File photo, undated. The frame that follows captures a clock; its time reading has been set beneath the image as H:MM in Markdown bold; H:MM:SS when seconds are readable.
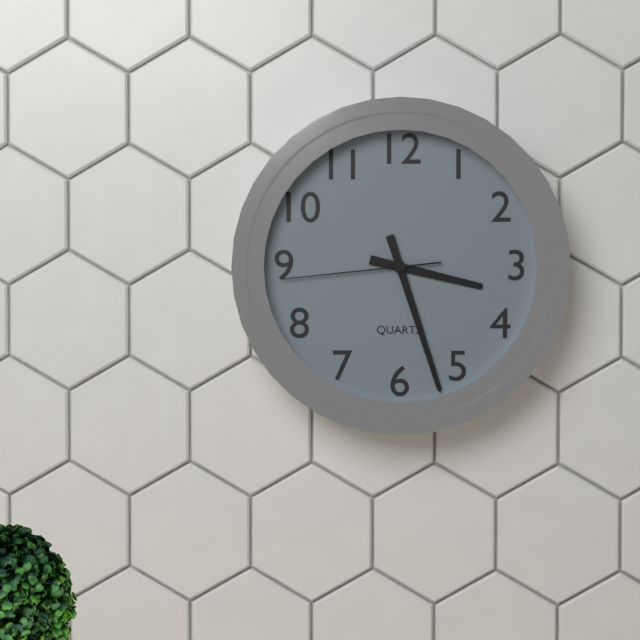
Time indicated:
**3:27:44**
